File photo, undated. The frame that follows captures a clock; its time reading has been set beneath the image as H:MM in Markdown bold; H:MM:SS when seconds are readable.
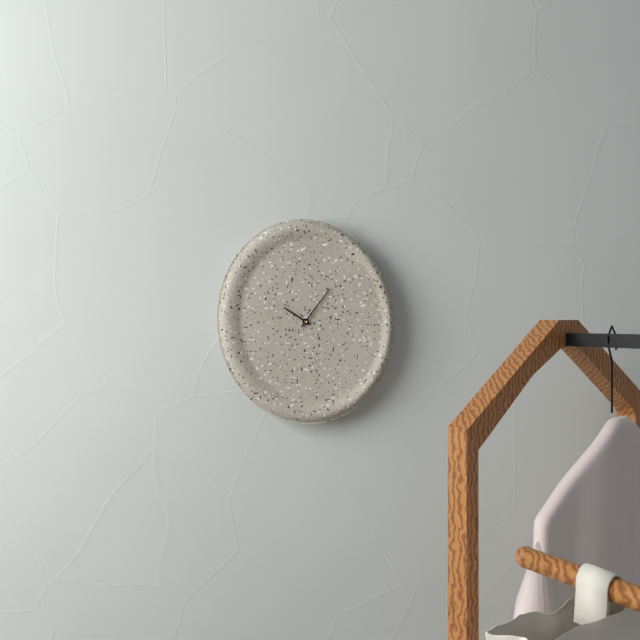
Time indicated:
**10:06**
